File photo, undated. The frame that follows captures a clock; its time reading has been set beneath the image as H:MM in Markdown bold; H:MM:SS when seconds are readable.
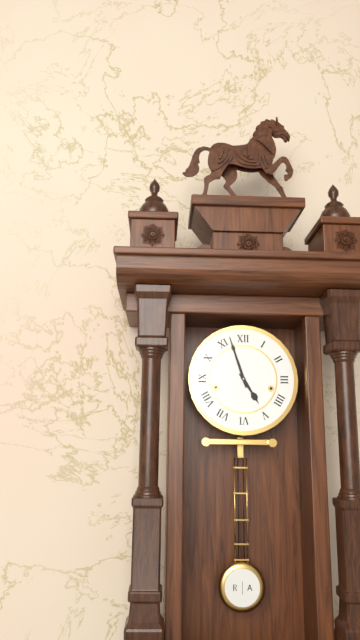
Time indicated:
**4:57**
